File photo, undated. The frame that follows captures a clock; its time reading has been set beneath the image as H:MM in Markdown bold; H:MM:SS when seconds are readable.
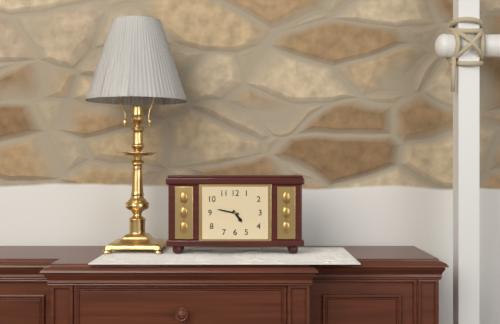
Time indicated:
**4:47**
